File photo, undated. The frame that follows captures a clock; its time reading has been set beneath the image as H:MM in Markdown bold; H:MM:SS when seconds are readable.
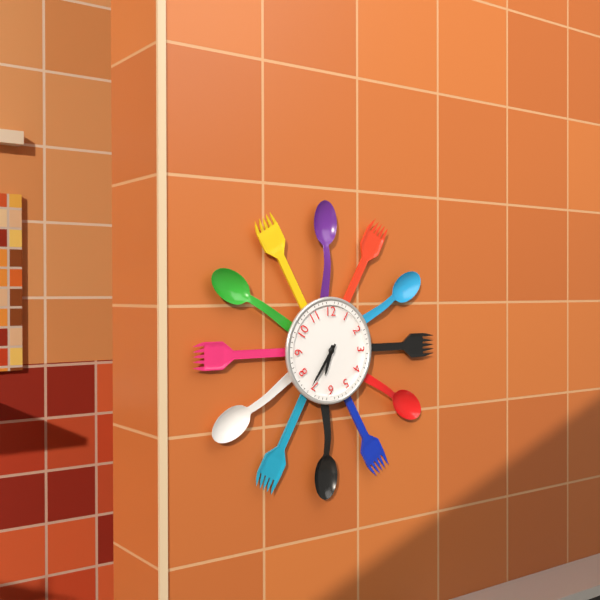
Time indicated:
**6:36**
